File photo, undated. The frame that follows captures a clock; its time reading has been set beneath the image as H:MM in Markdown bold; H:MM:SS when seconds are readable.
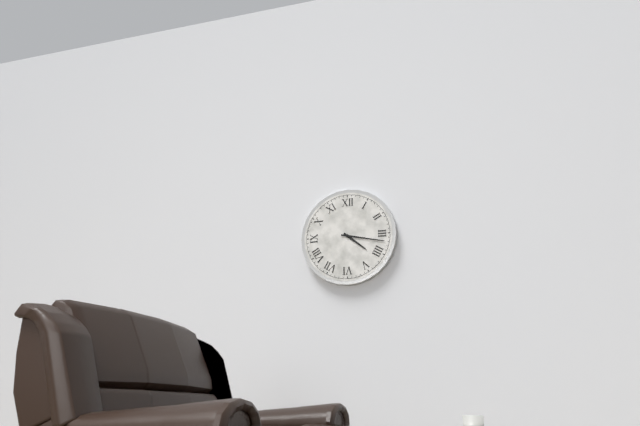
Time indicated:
**4:17**
